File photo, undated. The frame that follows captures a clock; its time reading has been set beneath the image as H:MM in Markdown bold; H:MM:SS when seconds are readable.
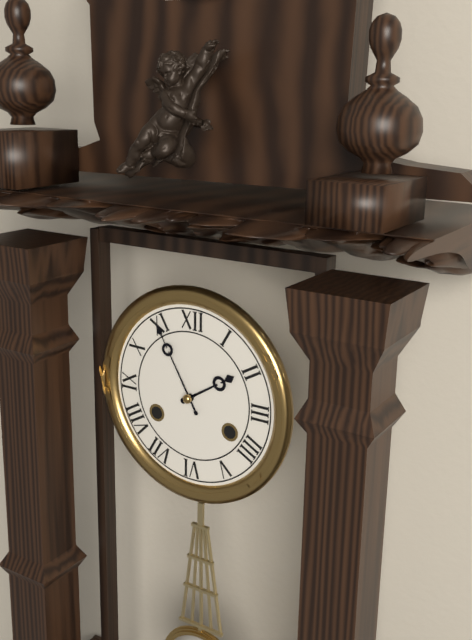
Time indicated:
**1:55**
